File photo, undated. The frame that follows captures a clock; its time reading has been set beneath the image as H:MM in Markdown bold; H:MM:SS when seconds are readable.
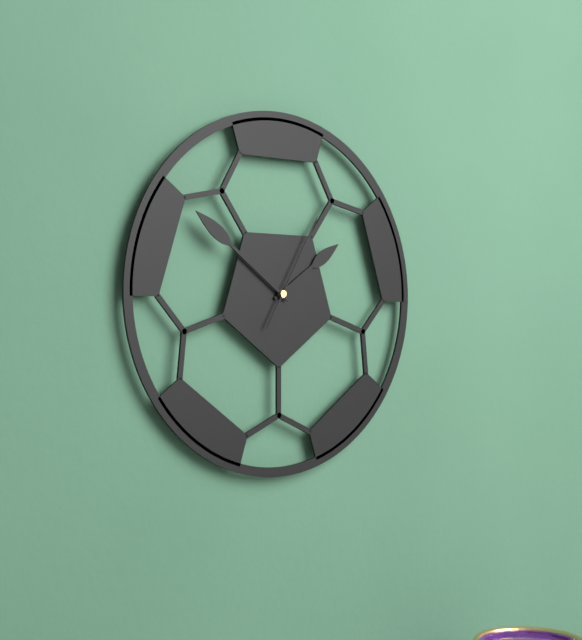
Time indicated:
**1:51:05**
